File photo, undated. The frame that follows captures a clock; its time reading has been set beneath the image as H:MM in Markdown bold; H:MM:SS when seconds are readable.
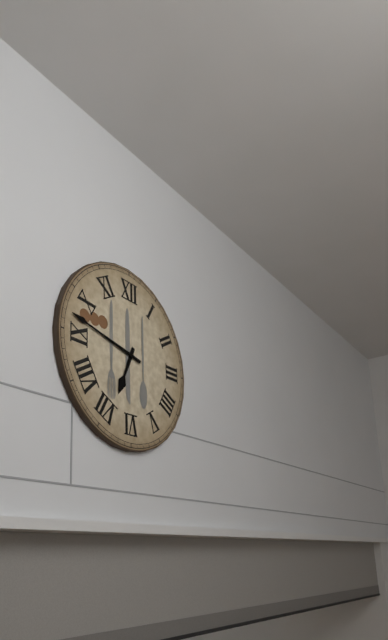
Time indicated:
**6:47**
